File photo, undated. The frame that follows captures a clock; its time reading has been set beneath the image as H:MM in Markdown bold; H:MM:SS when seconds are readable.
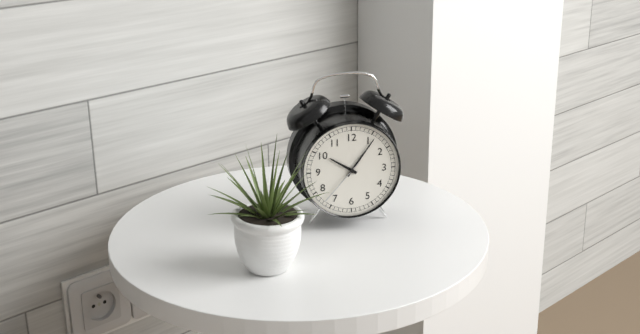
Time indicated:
**10:06:37**
